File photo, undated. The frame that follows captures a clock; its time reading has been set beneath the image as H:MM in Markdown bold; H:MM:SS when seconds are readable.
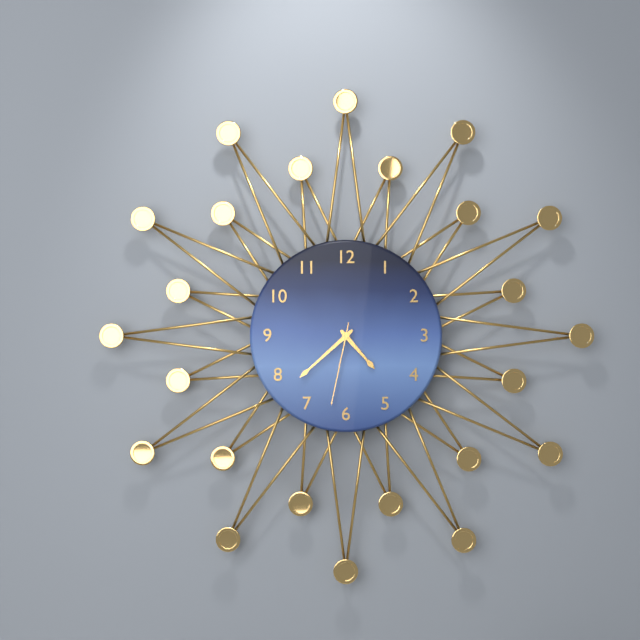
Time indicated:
**4:38:32**
